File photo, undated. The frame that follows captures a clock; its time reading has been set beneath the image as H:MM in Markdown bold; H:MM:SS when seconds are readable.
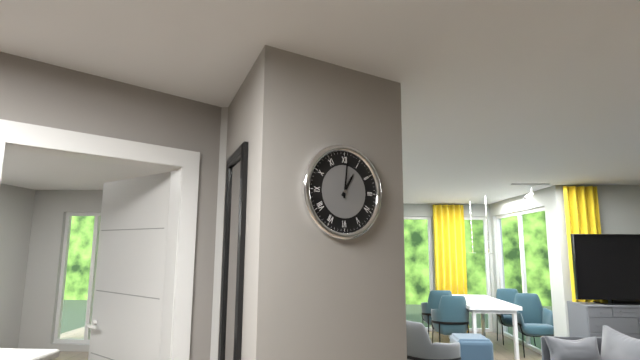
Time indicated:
**1:01**
